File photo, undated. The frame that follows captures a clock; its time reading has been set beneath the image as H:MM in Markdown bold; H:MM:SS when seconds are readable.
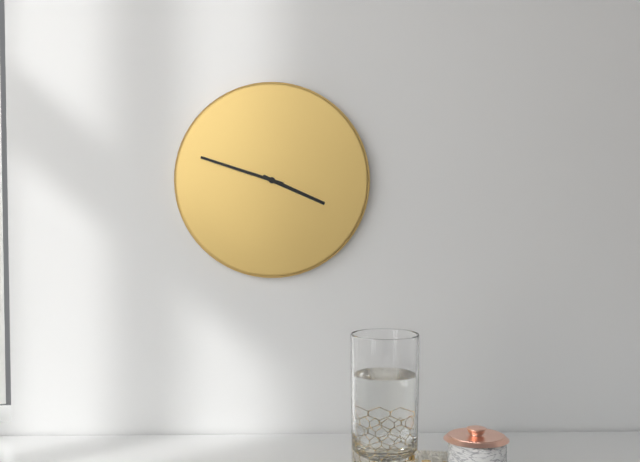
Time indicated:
**3:48**
